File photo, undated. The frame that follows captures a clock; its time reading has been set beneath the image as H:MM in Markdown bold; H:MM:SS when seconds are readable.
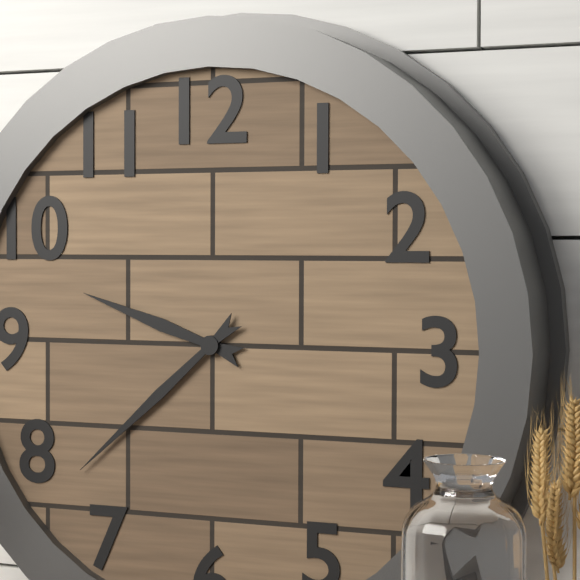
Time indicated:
**9:38**
